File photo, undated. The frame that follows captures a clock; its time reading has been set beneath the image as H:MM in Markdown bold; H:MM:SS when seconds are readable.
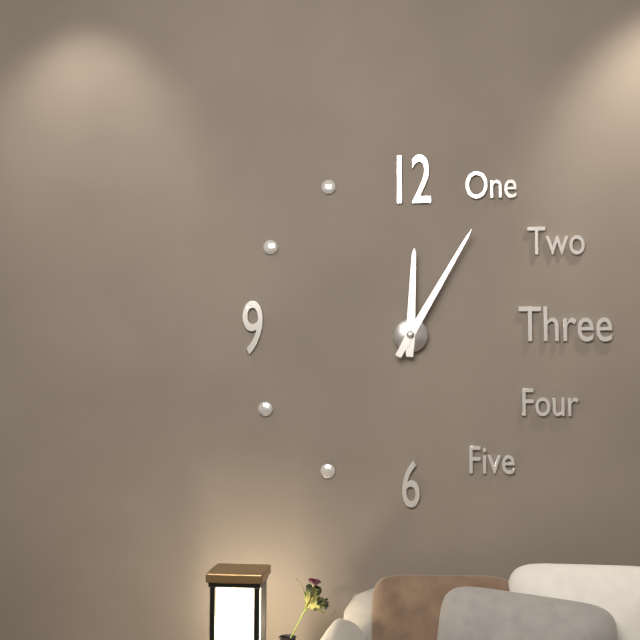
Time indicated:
**12:05**
